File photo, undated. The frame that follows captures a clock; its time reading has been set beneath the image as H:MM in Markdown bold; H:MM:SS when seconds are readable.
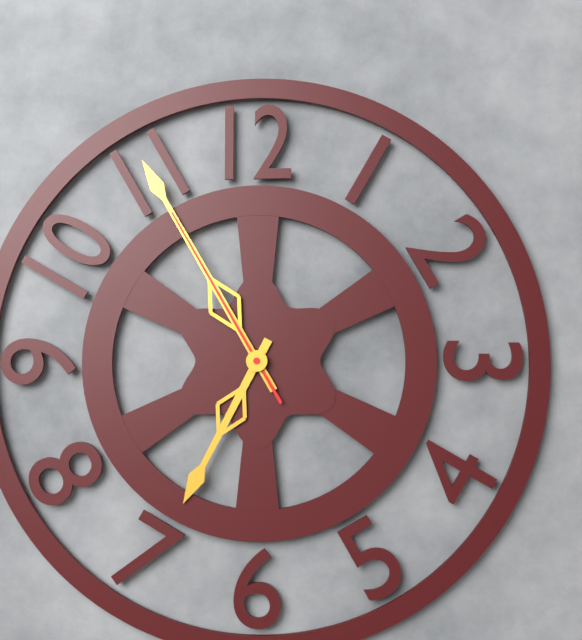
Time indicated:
**6:55:55**
